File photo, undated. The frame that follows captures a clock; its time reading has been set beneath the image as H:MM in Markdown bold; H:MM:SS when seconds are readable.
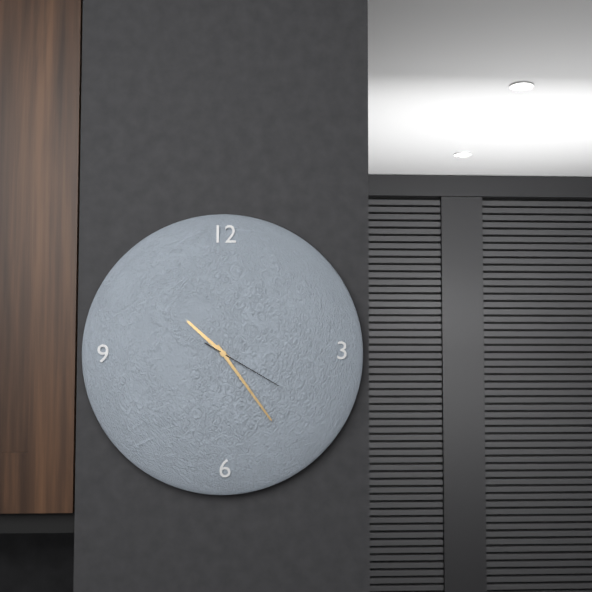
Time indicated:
**10:24:20**
